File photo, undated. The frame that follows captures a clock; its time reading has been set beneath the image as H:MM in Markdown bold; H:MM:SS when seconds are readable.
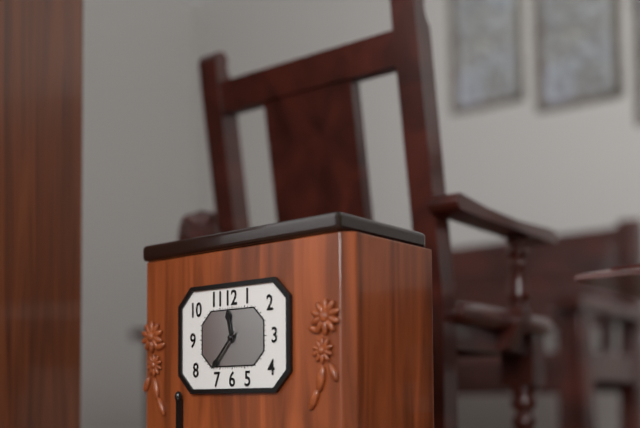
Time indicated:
**11:37**
